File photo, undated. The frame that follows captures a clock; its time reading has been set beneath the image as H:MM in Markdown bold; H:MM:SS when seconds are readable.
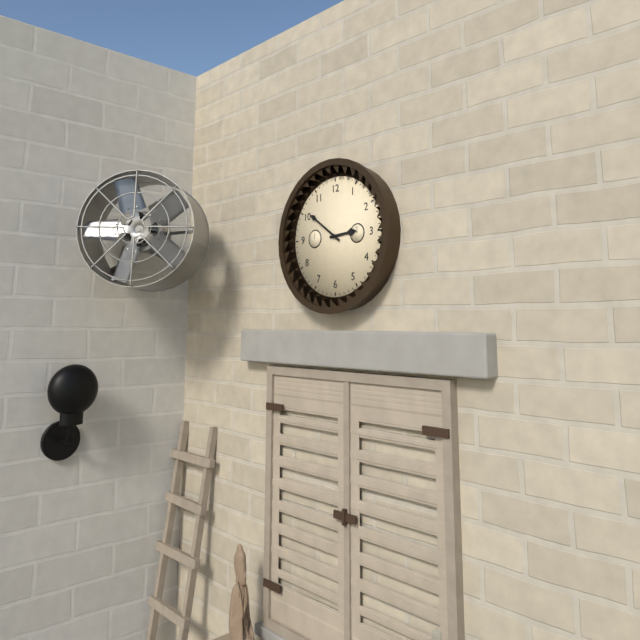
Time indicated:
**2:51**
